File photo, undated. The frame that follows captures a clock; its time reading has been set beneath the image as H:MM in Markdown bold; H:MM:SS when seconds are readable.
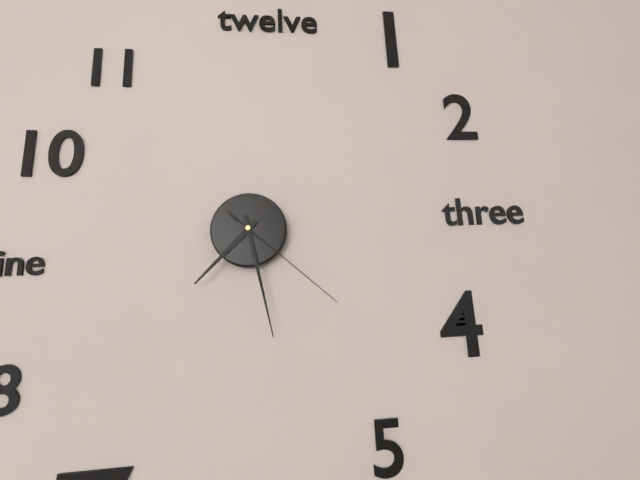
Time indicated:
**7:28:22**
